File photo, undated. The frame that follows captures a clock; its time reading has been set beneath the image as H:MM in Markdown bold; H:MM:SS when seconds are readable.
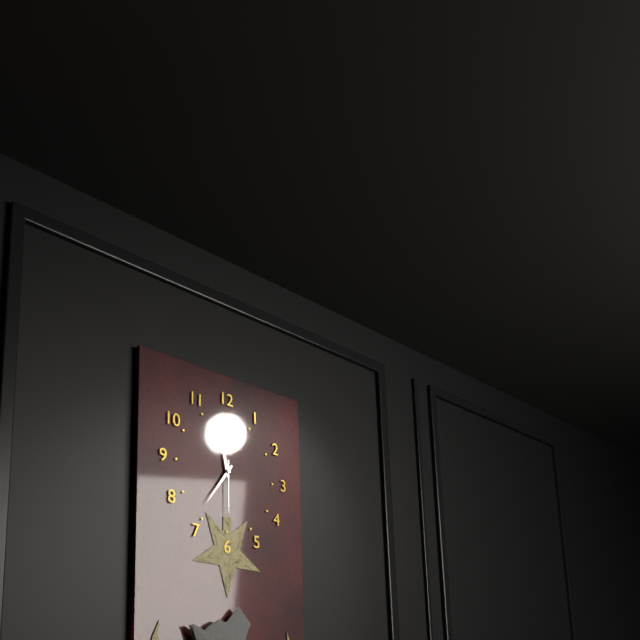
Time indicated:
**11:36:30**
